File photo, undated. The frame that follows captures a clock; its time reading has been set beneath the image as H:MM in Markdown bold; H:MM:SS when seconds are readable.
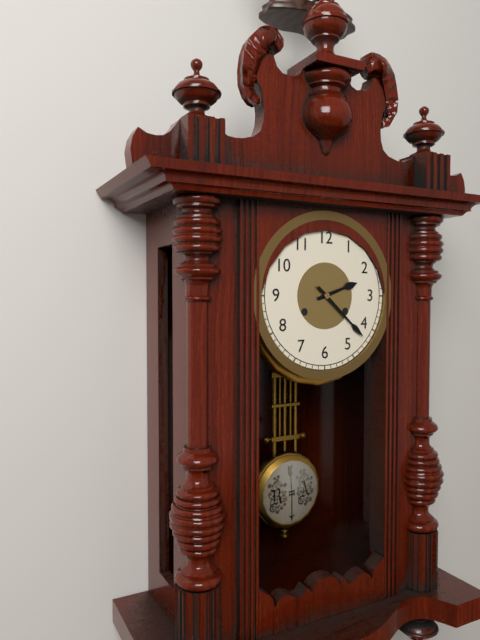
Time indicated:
**2:22**
